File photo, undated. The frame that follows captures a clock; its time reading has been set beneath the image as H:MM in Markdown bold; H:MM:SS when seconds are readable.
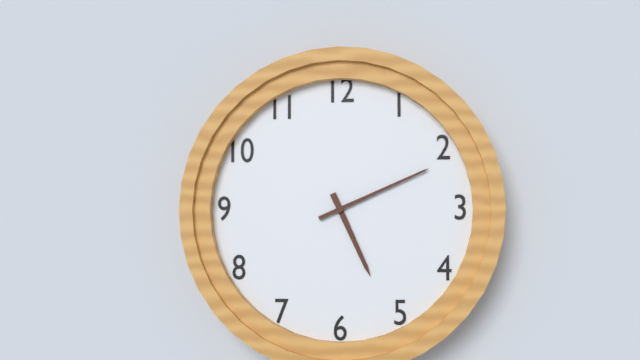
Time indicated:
**5:11**
